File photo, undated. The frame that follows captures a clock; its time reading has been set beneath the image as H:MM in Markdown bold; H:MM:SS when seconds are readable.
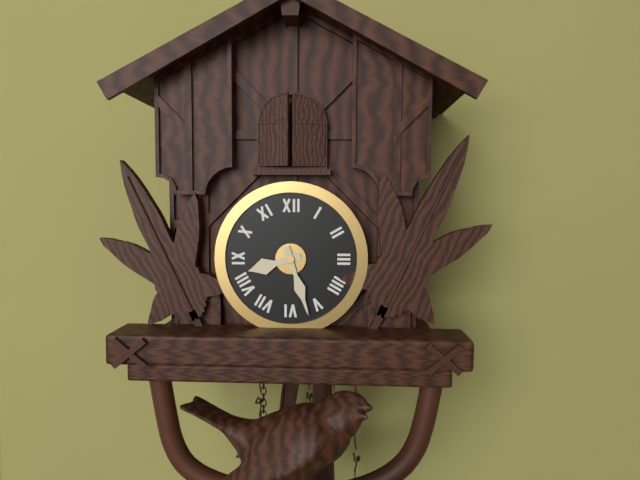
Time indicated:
**8:27**
